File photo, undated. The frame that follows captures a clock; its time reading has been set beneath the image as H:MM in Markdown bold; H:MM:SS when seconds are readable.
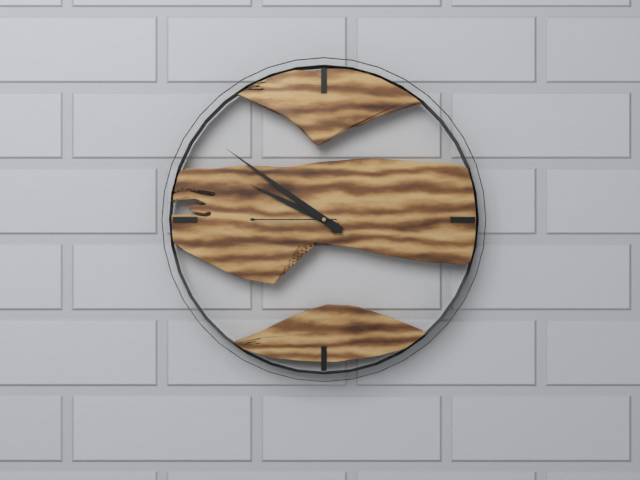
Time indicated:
**9:51:45**
